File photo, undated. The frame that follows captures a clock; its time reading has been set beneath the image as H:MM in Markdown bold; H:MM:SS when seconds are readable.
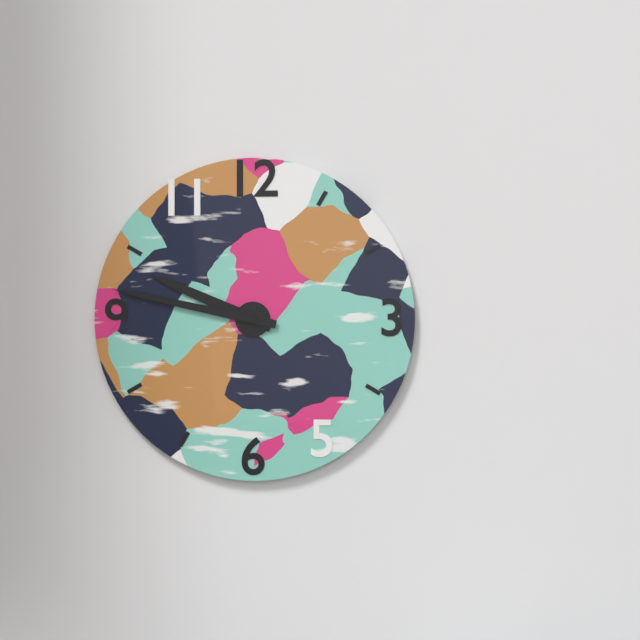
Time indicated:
**9:47**
